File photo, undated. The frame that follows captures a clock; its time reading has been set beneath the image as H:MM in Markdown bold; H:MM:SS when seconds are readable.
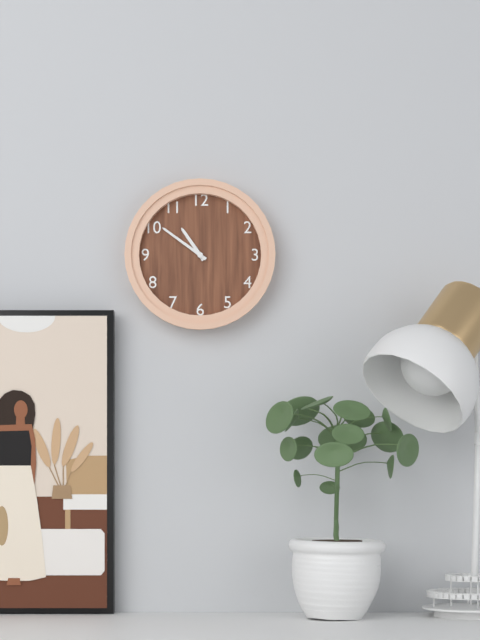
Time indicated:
**10:51**
